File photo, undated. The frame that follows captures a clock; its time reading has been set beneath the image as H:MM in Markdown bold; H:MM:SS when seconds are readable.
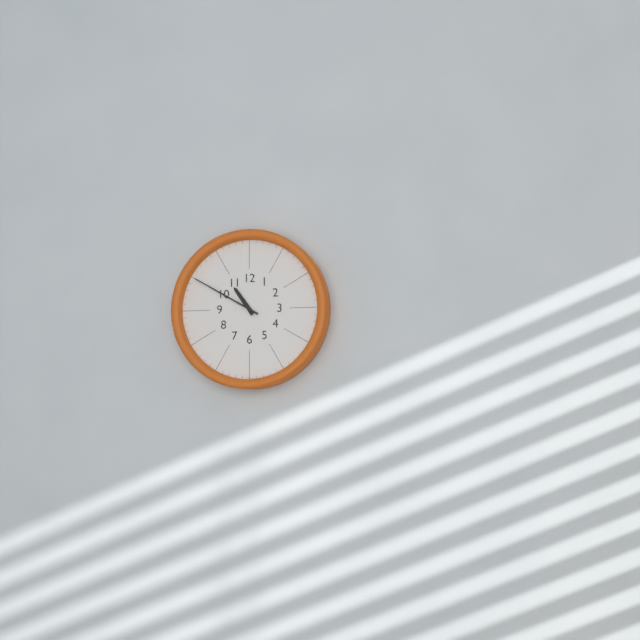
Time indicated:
**10:50**
